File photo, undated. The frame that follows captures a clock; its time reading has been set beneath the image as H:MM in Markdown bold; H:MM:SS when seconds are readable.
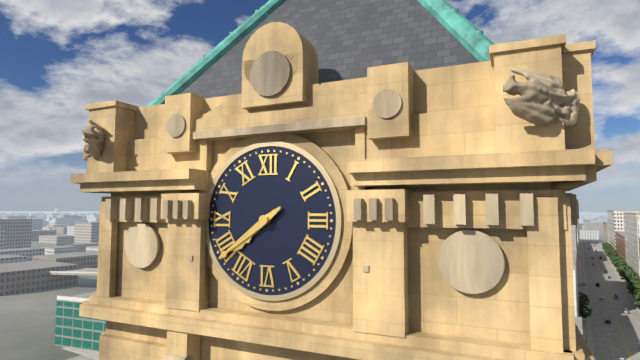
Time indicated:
**7:39**
